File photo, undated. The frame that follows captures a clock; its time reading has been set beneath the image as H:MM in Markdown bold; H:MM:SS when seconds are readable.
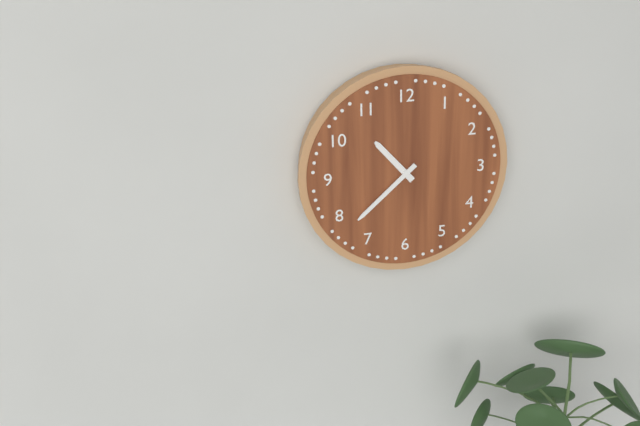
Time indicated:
**10:38**
